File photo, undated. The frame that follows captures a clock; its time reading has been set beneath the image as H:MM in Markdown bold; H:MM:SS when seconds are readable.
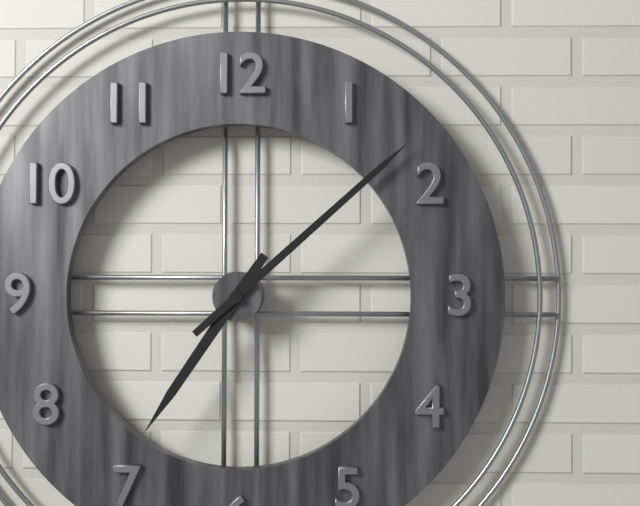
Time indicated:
**7:08**
